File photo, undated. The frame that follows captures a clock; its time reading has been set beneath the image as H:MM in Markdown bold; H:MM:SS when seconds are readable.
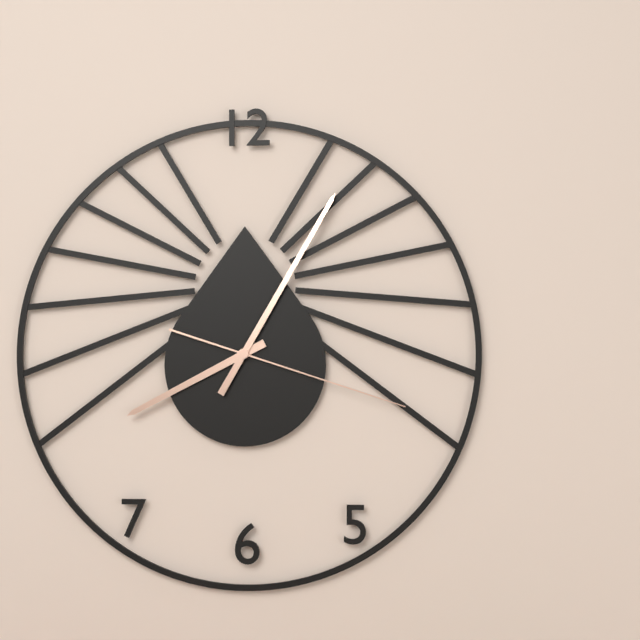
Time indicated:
**8:05:18**
